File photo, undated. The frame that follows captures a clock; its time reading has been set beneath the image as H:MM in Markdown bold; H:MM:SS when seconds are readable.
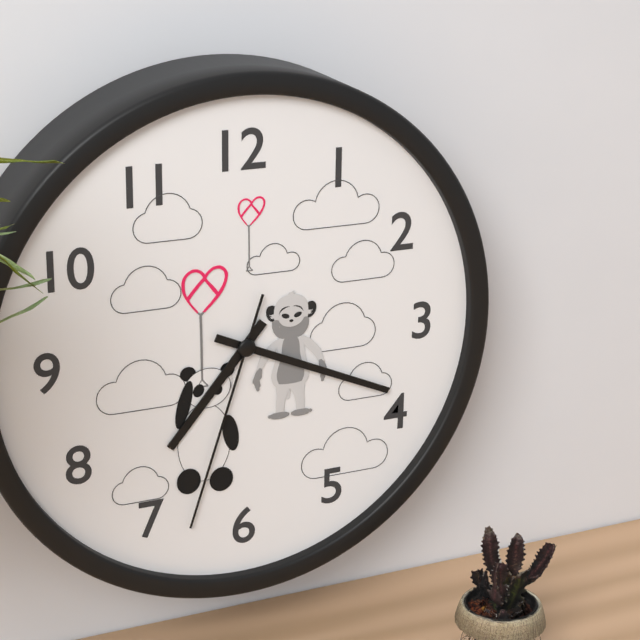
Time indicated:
**7:19:33**
